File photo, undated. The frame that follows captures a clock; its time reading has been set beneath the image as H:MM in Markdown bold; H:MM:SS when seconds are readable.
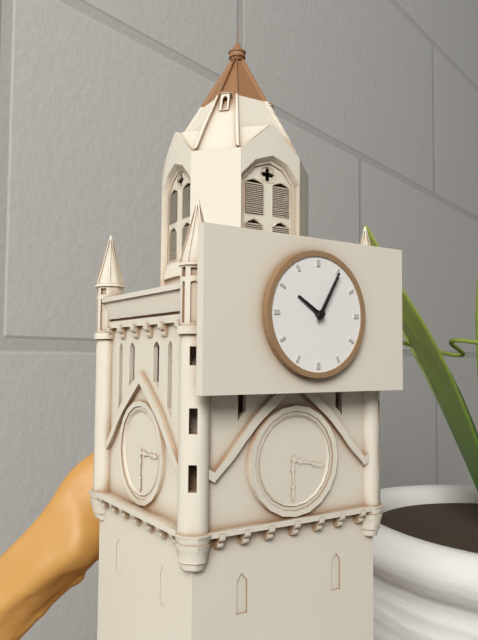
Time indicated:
**10:05**
